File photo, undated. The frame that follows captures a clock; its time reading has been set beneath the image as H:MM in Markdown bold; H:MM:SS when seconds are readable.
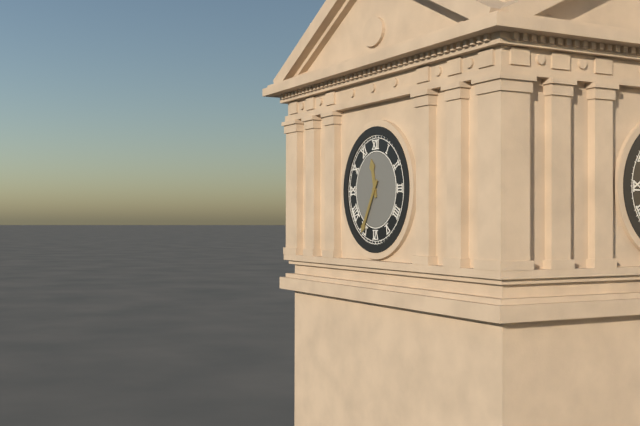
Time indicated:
**11:35**
